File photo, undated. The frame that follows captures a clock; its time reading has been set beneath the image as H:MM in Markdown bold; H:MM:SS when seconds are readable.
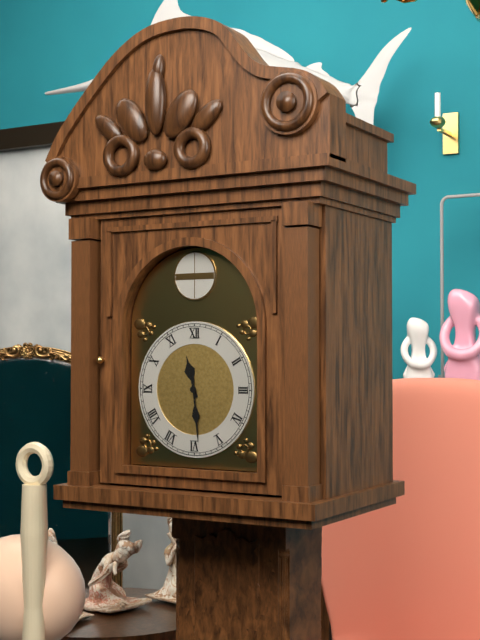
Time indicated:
**11:29**
